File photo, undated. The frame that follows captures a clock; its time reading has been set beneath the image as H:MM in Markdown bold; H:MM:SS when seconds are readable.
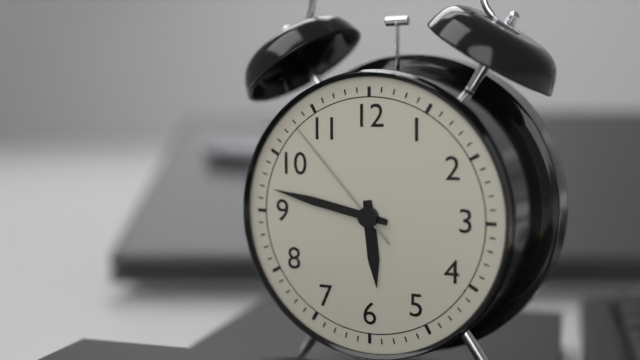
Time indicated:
**5:47:53**
